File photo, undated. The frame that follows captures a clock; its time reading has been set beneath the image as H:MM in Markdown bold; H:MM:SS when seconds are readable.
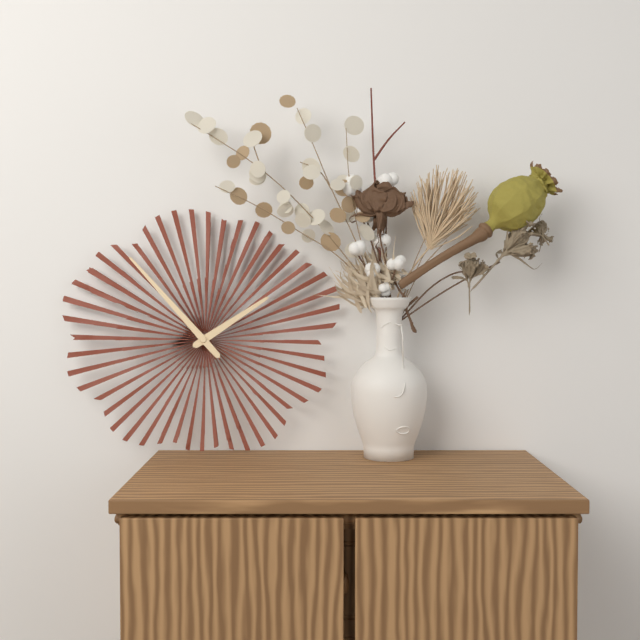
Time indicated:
**1:53**
